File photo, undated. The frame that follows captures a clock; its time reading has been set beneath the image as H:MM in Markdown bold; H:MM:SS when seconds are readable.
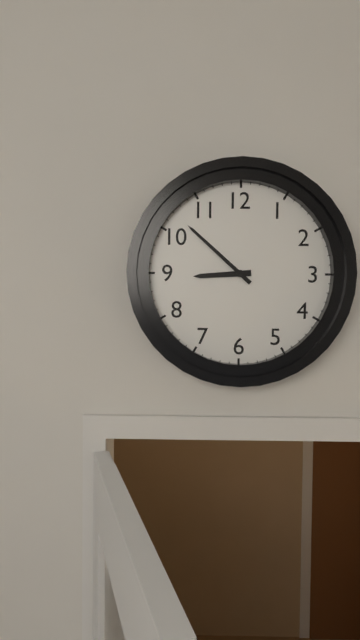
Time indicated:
**8:52**
